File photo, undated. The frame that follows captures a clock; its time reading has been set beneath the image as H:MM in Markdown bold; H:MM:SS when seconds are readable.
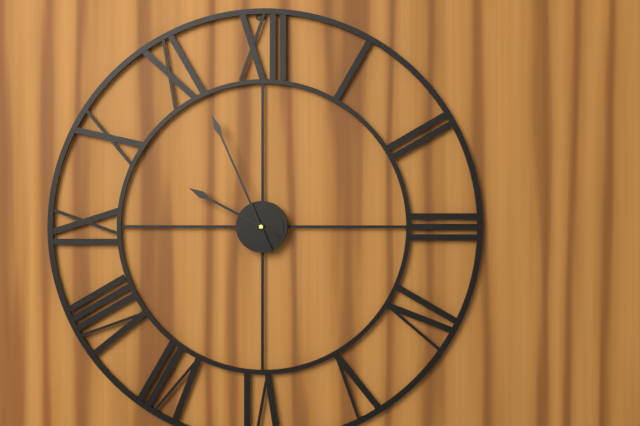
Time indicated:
**9:56**
